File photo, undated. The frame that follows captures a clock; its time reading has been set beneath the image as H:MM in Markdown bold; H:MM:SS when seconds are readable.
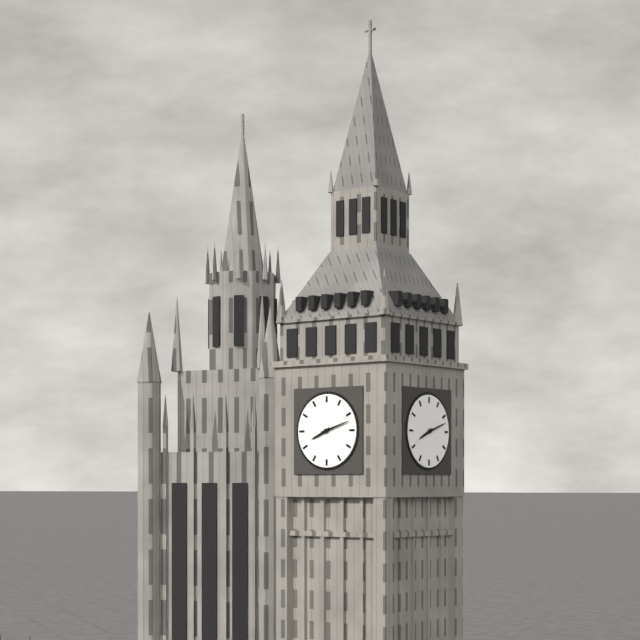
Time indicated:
**8:12**
